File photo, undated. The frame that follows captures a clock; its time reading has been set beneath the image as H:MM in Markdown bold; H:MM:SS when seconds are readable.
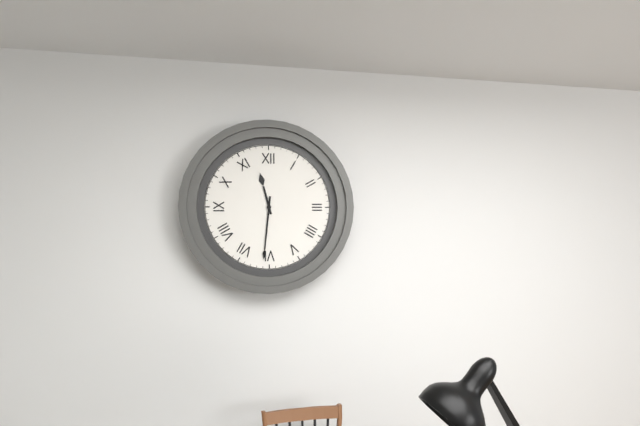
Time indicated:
**11:31**
